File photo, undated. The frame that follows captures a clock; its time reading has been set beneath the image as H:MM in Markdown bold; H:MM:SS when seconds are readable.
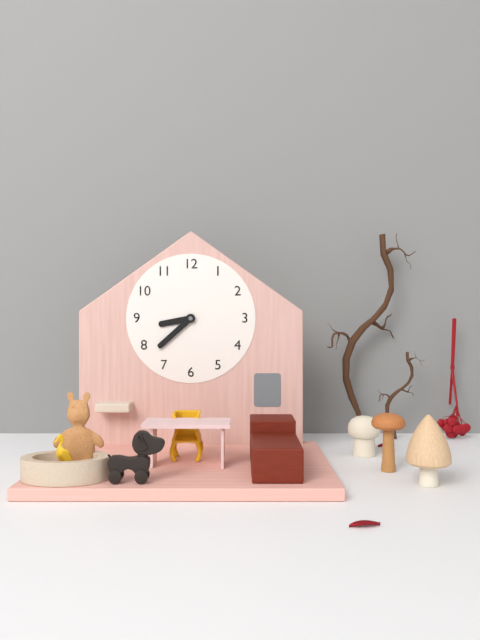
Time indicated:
**8:38**
